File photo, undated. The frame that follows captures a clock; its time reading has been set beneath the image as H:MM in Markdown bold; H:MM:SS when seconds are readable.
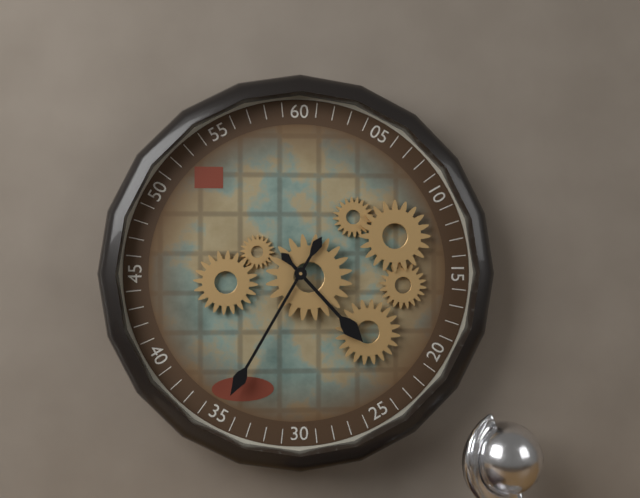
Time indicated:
**4:35**
